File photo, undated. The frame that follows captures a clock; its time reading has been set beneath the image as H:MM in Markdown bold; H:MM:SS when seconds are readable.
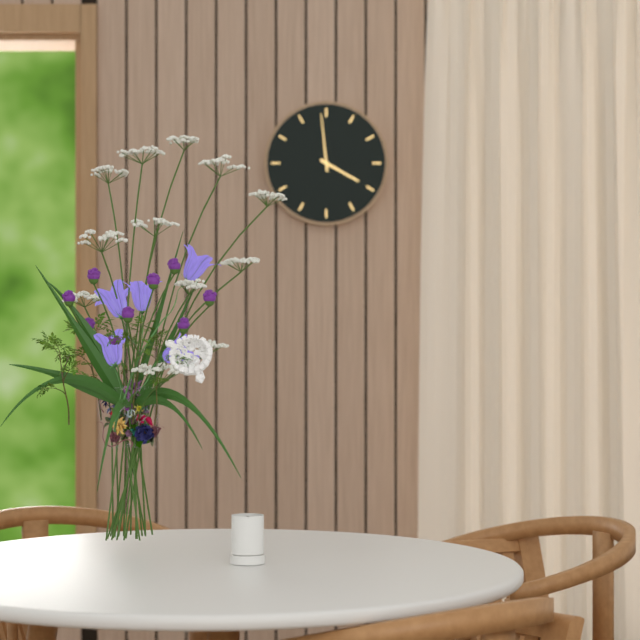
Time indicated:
**3:59**
